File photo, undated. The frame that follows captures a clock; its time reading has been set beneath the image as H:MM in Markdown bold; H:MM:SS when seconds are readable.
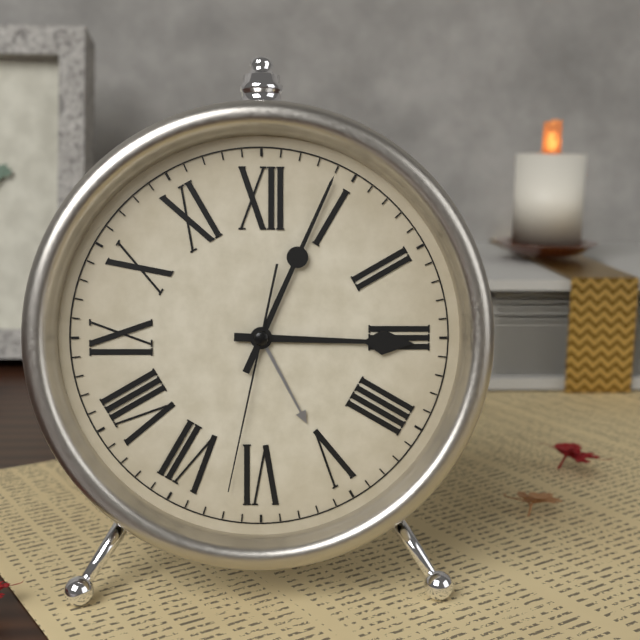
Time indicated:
**3:04:32**
